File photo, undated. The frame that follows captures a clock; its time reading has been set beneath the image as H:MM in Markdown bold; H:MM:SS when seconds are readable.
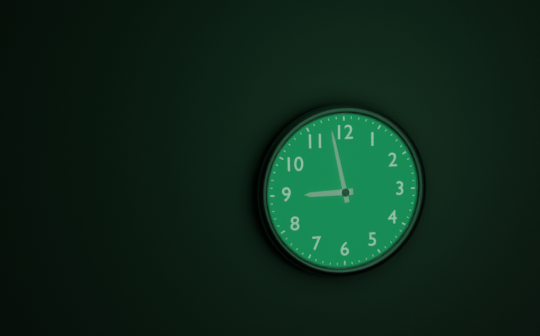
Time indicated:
**8:58**
